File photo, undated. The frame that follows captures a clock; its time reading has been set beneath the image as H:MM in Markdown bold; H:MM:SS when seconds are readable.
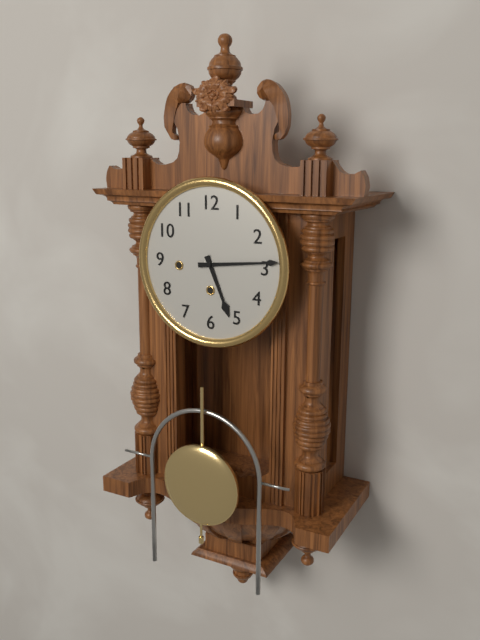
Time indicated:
**5:14**
